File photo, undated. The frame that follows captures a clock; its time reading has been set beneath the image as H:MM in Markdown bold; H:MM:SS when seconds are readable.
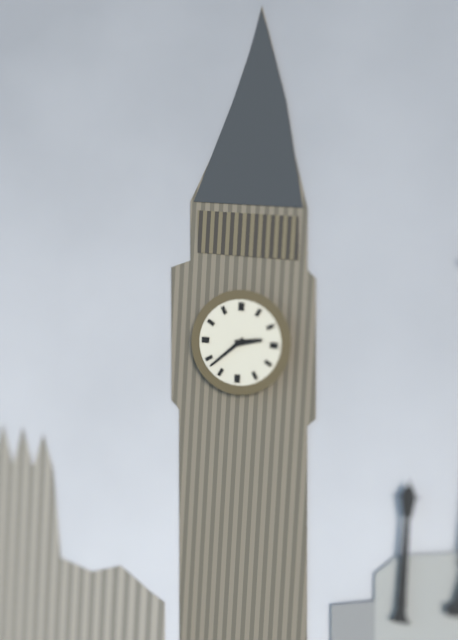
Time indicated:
**2:38**
